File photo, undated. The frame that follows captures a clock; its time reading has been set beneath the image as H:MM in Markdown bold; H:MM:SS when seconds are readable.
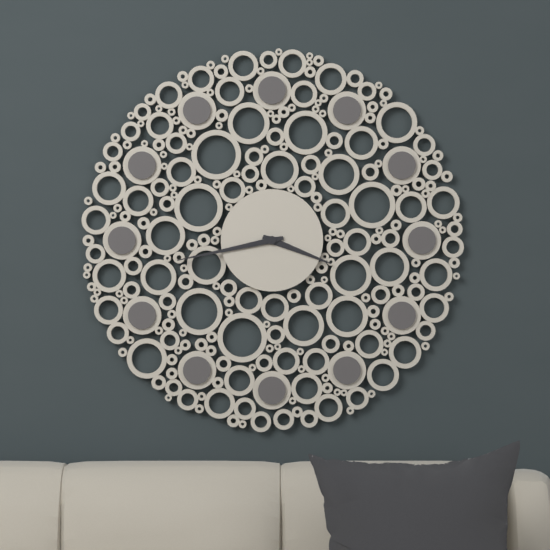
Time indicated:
**3:43**
